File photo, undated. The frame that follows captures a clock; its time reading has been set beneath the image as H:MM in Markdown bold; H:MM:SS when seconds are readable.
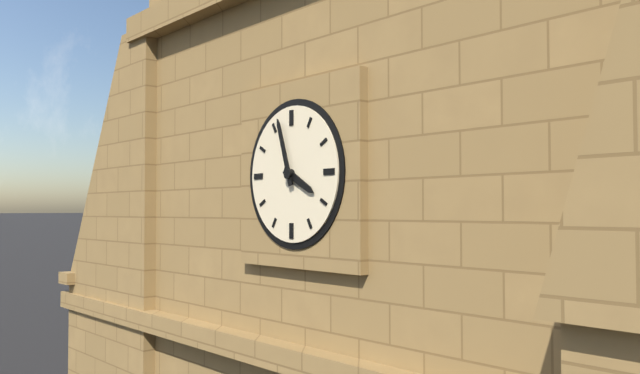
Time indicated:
**3:57**
